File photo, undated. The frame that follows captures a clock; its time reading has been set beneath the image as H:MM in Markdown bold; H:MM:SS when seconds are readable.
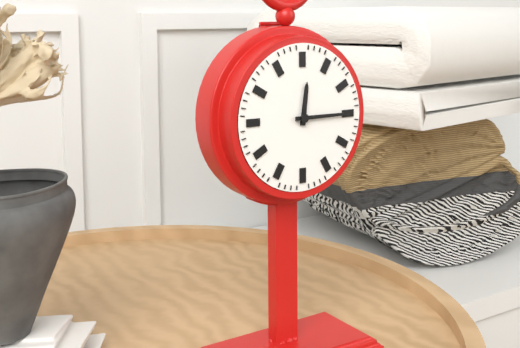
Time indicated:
**12:15**
